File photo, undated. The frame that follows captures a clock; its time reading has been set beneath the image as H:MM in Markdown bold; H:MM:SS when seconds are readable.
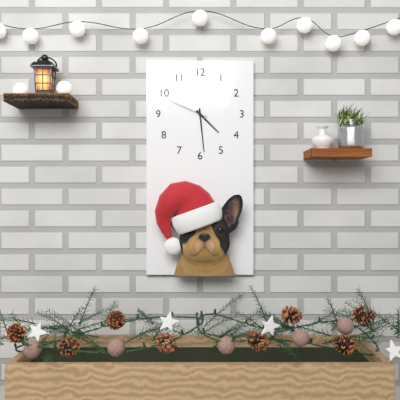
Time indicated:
**4:29**
